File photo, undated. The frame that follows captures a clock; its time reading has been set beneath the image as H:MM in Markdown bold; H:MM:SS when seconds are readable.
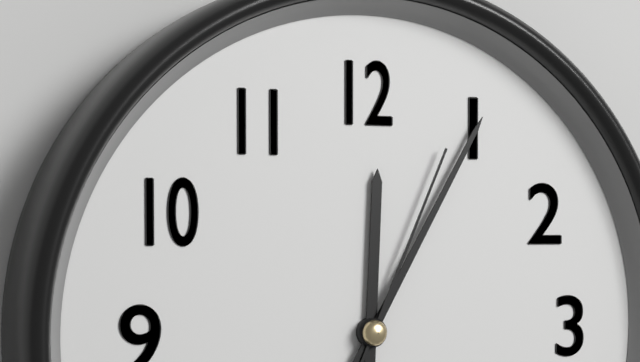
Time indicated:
**12:05:04**
